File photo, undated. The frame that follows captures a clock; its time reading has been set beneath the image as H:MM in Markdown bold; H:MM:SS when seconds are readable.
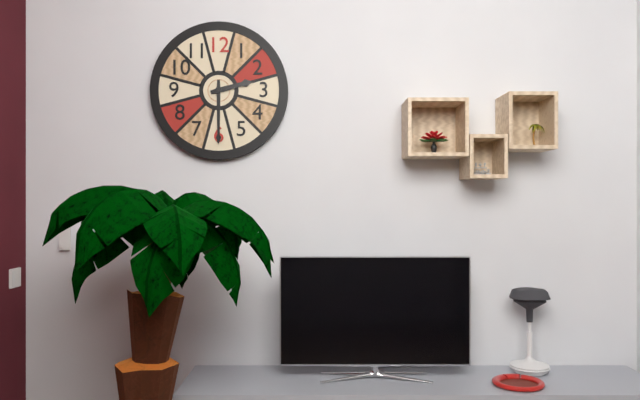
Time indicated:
**2:30**
